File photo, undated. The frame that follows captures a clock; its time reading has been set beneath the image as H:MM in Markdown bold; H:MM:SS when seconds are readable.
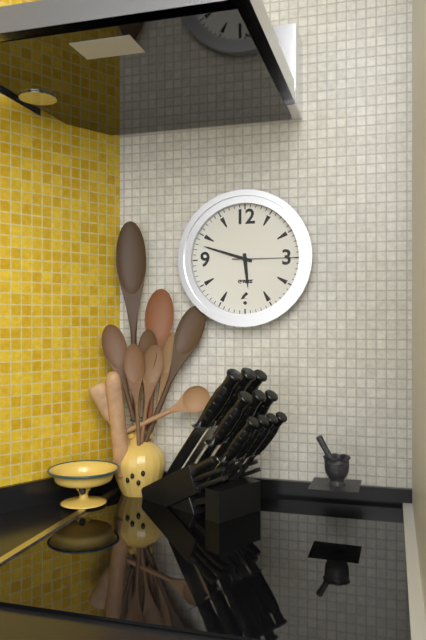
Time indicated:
**5:48:15**
